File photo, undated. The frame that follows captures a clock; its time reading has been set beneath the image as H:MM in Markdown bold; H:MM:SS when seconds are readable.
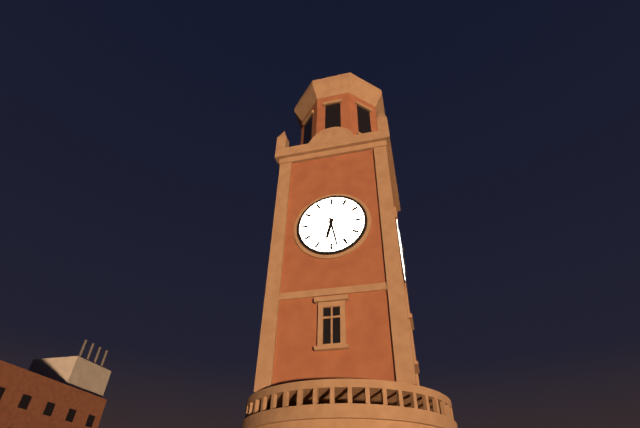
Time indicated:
**6:28**
